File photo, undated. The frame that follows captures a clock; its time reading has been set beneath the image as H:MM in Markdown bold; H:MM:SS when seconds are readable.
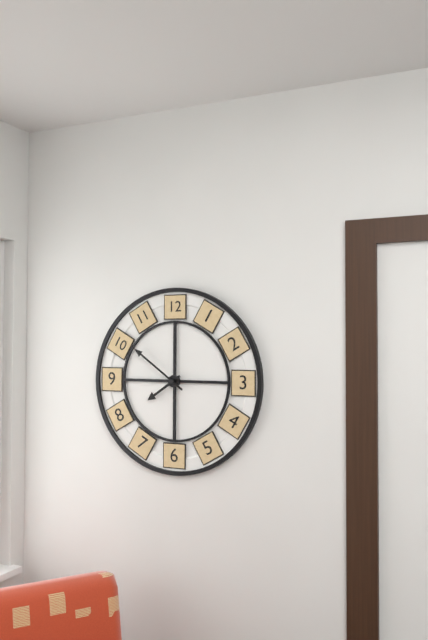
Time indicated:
**7:51**
